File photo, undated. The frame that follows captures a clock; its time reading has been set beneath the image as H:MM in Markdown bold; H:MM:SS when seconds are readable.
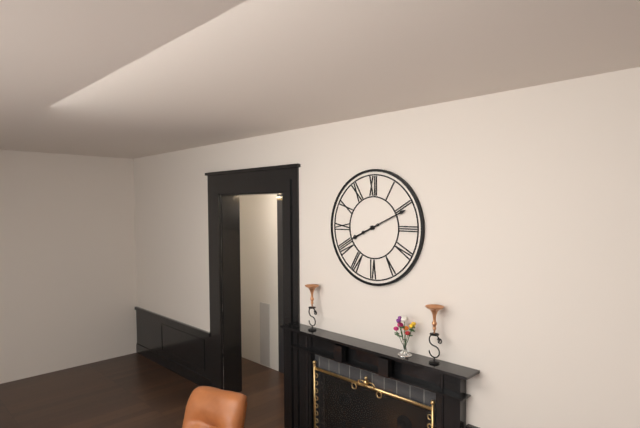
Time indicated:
**8:11**
